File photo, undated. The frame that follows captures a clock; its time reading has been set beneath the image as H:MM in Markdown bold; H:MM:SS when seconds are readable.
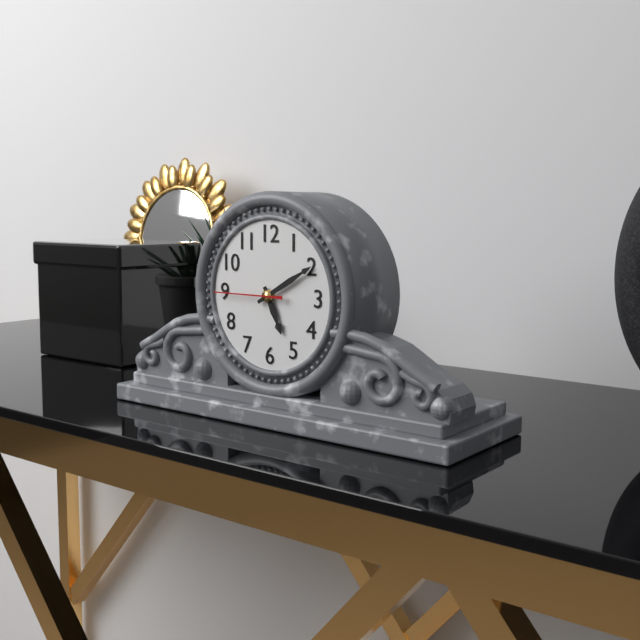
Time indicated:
**5:10:45**
